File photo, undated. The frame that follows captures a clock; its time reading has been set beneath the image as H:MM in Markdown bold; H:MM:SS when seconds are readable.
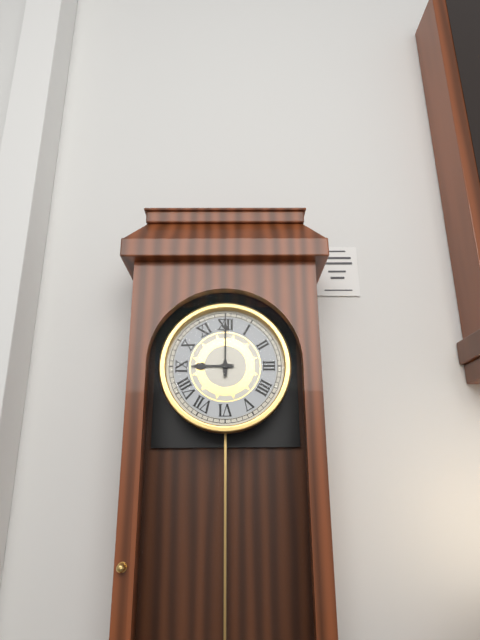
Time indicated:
**9:00**
